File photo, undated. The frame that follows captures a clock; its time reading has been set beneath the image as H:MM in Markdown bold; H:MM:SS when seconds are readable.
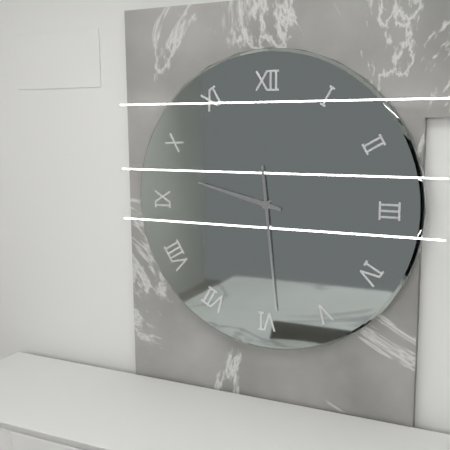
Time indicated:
**9:29**
